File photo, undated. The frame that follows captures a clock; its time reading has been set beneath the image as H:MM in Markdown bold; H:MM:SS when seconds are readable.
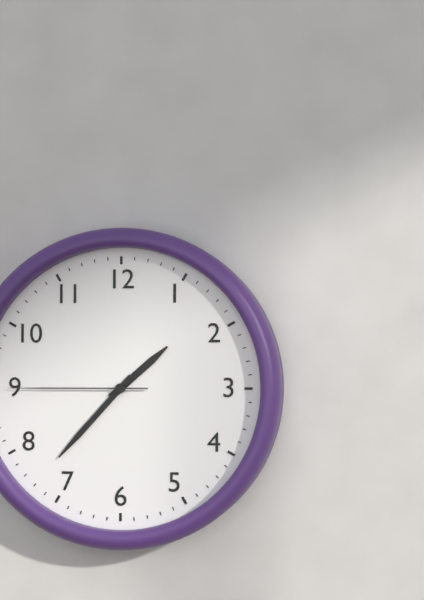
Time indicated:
**1:37:45**
